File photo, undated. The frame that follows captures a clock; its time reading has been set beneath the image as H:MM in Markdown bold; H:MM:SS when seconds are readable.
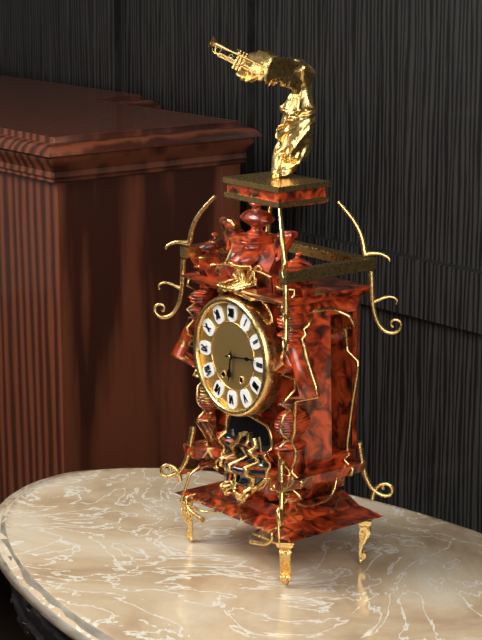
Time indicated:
**6:14**
